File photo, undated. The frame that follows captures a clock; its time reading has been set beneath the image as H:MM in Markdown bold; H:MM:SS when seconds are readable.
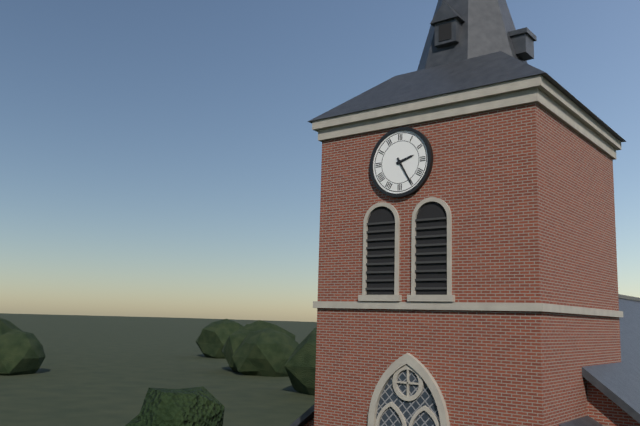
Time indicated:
**2:25**
